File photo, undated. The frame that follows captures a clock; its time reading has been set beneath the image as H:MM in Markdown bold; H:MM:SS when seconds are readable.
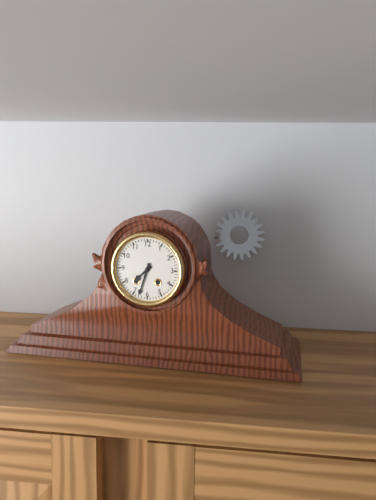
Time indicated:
**7:33**
